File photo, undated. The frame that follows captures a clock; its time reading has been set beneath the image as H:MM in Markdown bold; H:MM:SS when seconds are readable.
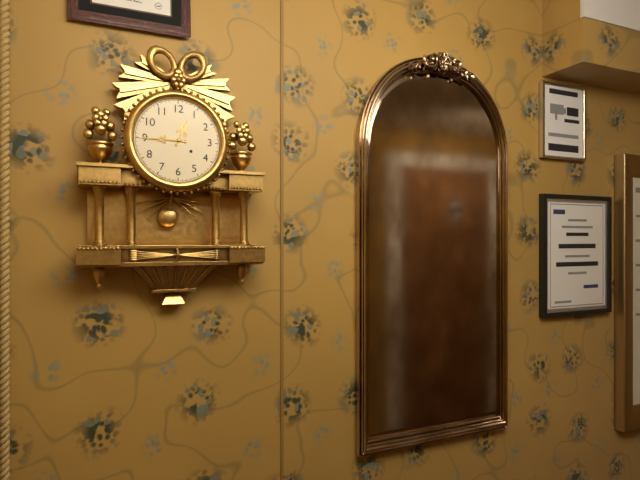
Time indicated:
**12:45**
